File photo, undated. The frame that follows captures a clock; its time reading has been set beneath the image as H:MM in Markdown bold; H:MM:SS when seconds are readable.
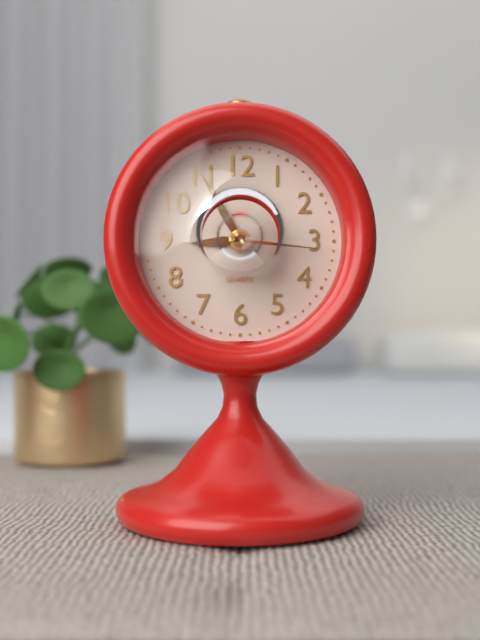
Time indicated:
**8:55:16**
